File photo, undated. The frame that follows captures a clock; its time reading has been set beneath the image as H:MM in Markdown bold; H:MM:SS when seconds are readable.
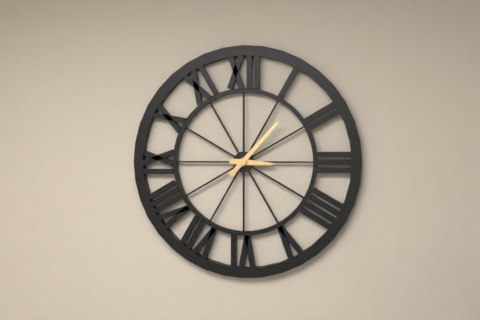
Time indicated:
**3:07**
